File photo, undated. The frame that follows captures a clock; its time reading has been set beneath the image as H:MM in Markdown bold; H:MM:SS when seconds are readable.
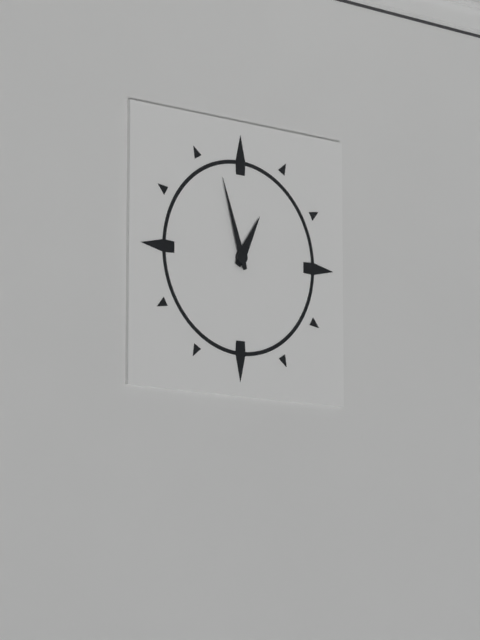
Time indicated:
**12:57**
